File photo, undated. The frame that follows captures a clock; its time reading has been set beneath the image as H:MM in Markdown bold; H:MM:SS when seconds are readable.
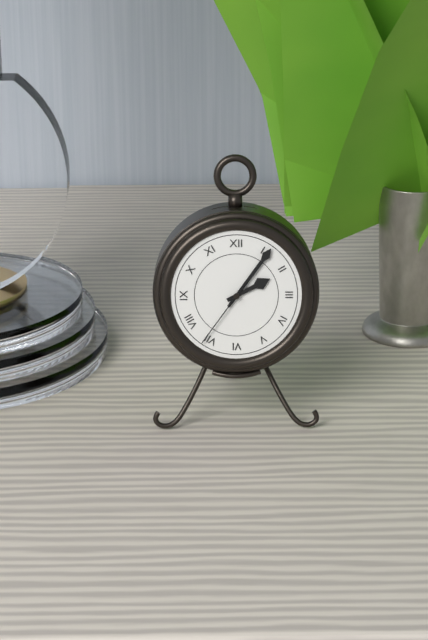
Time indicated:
**2:06:36**
